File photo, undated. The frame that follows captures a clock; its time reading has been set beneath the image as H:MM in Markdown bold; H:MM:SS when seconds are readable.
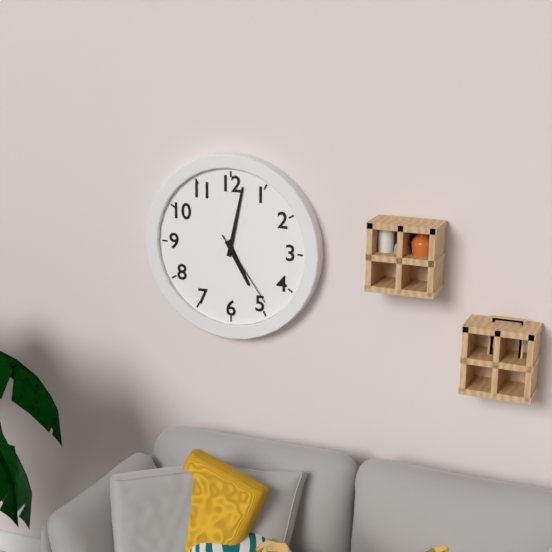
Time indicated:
**5:02:24**
